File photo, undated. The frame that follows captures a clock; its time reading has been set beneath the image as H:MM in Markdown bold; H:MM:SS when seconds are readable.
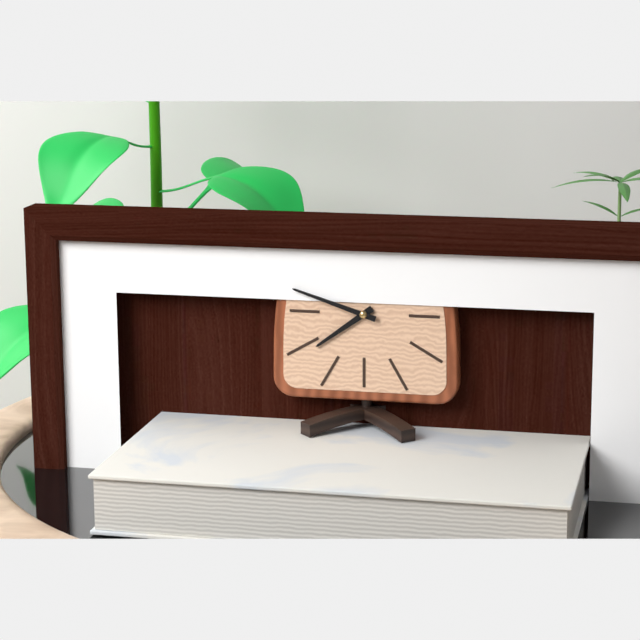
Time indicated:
**7:48**
